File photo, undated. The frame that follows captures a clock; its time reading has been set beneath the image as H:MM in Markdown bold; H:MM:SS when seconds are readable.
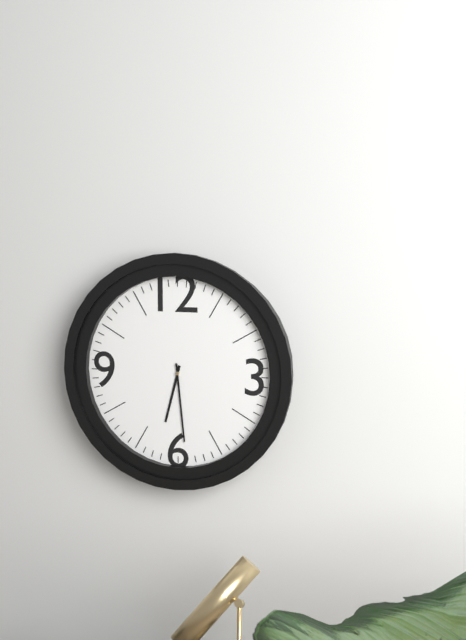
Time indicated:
**6:29**
